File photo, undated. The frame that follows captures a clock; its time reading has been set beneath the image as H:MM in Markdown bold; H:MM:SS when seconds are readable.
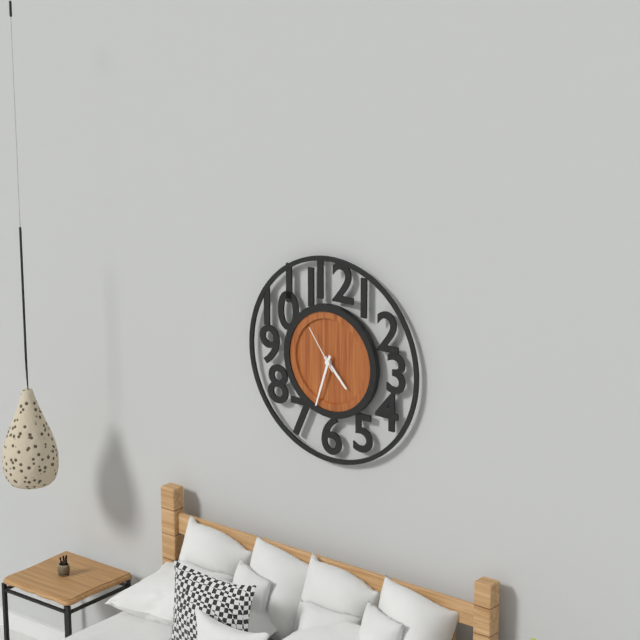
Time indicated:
**4:33:54**
